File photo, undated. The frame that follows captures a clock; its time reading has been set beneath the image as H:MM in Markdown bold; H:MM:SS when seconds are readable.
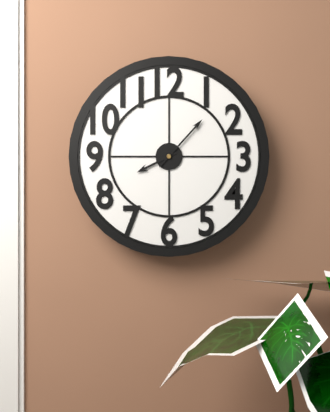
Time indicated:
**8:07**
